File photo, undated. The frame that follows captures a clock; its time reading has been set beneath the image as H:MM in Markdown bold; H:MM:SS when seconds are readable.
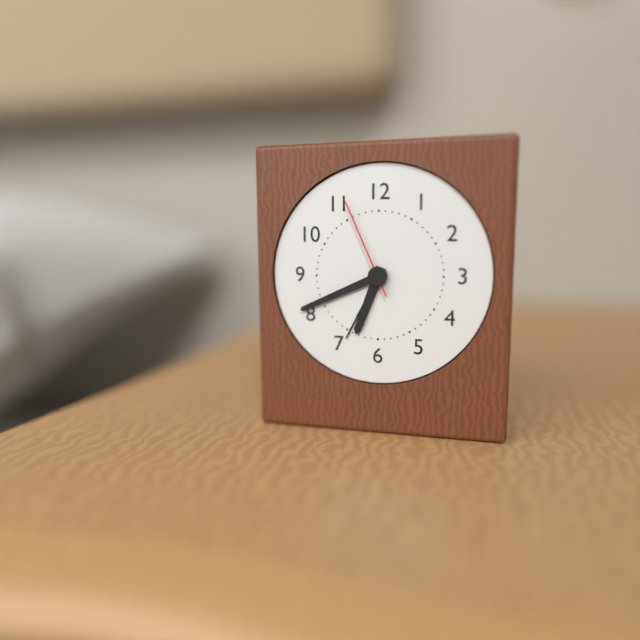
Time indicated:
**6:41:56**
